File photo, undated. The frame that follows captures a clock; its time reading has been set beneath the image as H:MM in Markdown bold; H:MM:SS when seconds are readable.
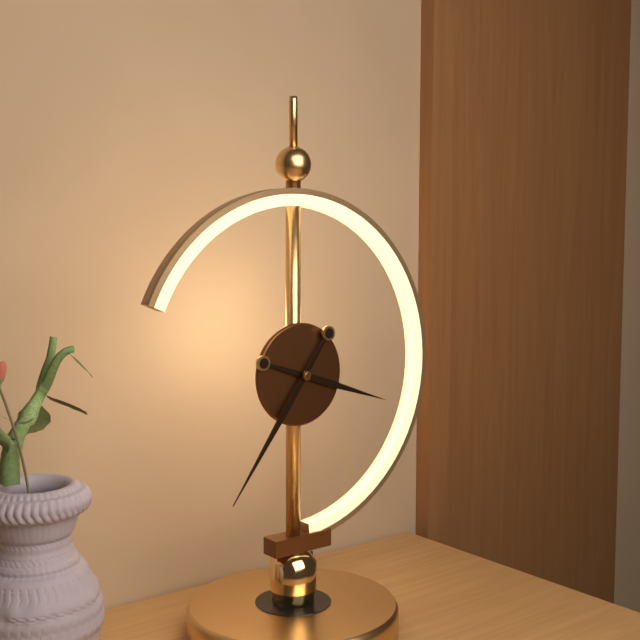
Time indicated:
**3:36**
